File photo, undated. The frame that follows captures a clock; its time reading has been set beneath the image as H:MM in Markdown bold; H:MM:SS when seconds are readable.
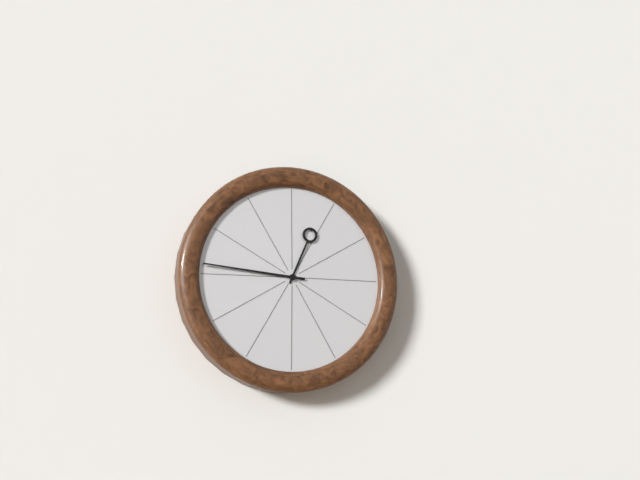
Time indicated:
**12:46**
